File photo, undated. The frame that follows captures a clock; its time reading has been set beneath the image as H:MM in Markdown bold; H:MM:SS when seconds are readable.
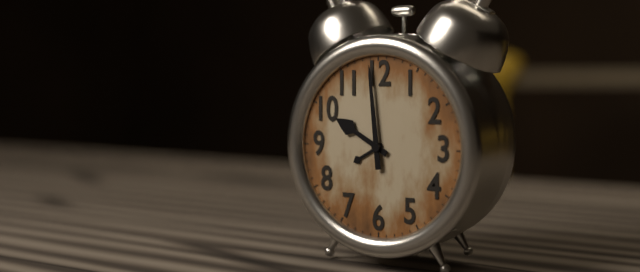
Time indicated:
**9:59**
